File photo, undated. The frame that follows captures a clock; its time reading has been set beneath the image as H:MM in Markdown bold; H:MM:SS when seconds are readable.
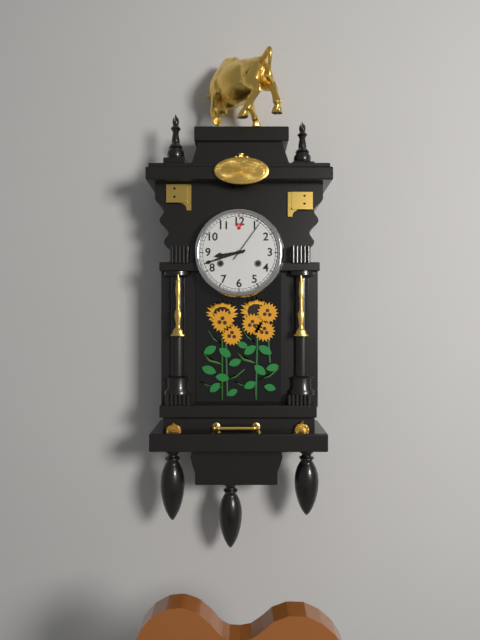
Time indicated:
**8:42**
